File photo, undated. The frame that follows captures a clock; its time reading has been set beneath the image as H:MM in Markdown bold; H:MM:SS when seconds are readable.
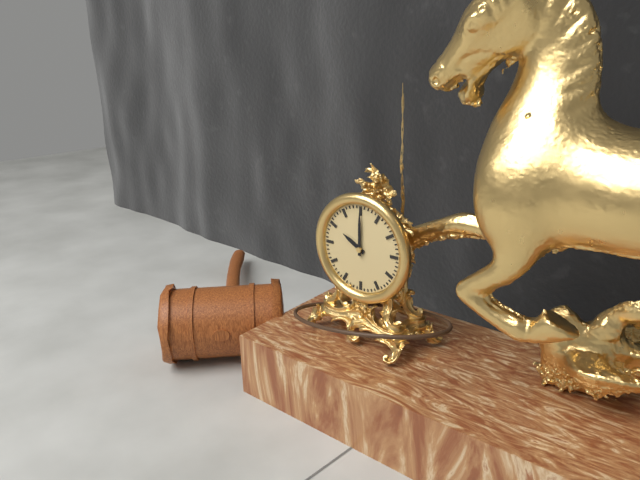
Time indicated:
**10:00**
